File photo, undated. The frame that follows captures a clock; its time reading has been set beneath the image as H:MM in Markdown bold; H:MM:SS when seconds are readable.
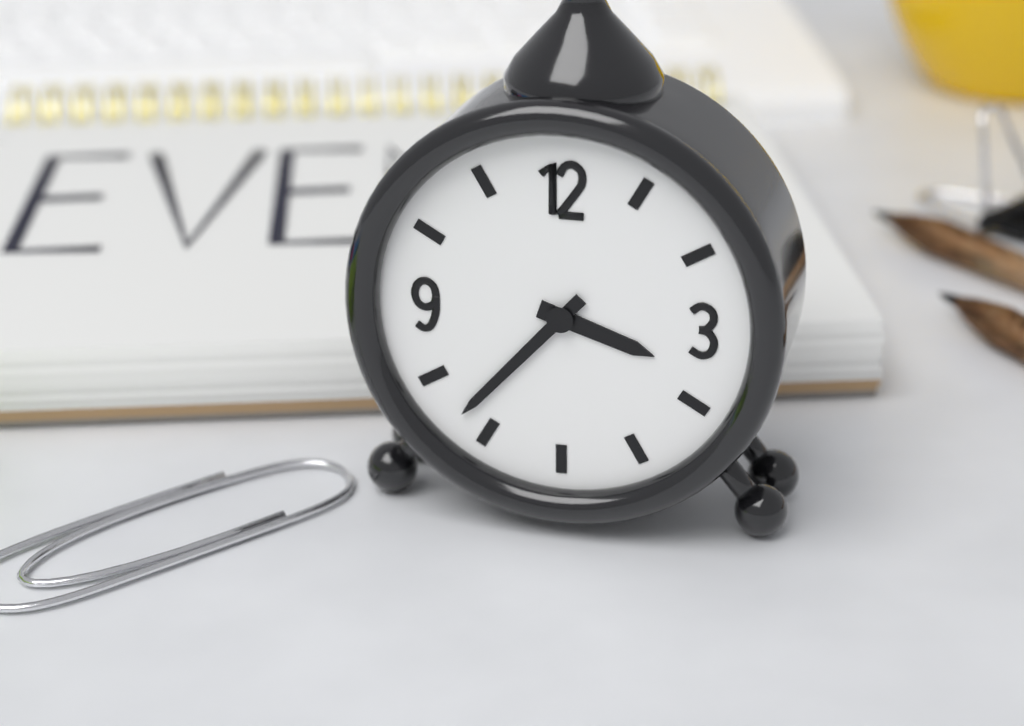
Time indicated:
**3:37**
